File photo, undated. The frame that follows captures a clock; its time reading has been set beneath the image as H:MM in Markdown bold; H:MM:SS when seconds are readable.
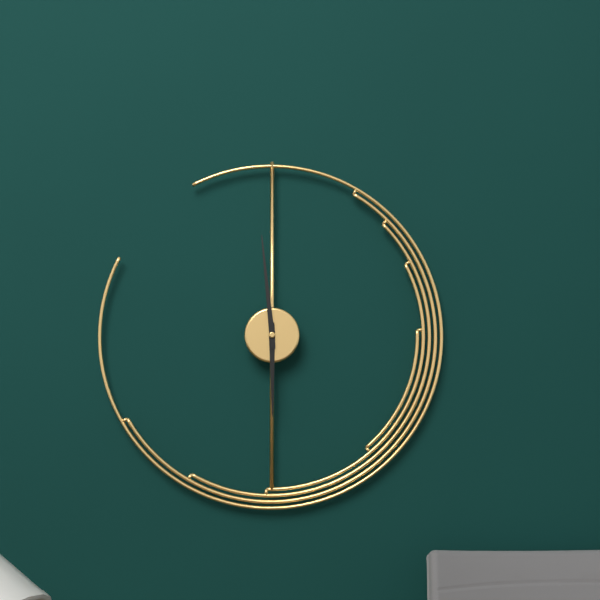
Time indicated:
**5:59**
